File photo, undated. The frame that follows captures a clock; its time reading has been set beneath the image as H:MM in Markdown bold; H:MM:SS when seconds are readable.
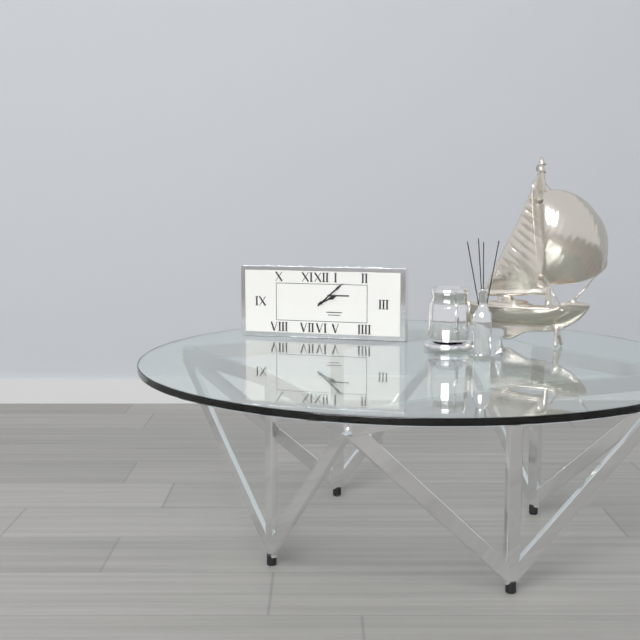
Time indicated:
**2:08**
